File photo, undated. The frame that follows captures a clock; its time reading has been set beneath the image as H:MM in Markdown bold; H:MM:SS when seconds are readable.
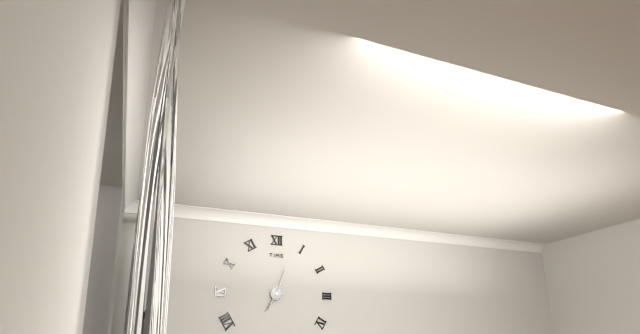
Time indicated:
**7:03**
